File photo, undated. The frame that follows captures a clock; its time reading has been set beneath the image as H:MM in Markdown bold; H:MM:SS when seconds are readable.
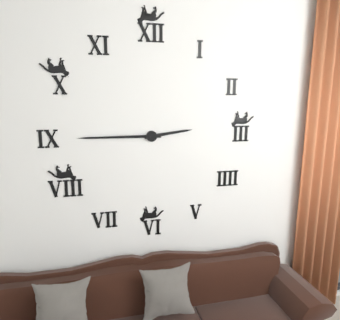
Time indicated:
**2:45**
